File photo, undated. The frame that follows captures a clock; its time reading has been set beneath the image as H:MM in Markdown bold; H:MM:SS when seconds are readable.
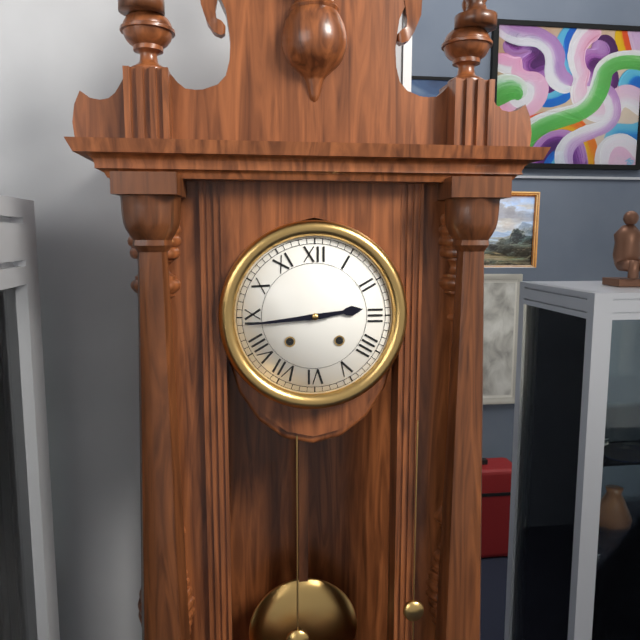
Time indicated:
**2:44**
